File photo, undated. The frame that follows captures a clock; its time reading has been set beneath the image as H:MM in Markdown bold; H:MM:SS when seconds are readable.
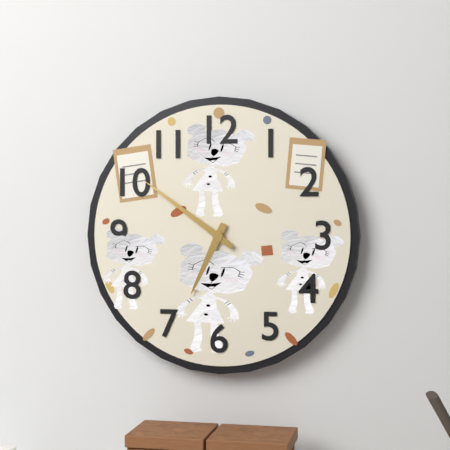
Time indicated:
**6:51**
